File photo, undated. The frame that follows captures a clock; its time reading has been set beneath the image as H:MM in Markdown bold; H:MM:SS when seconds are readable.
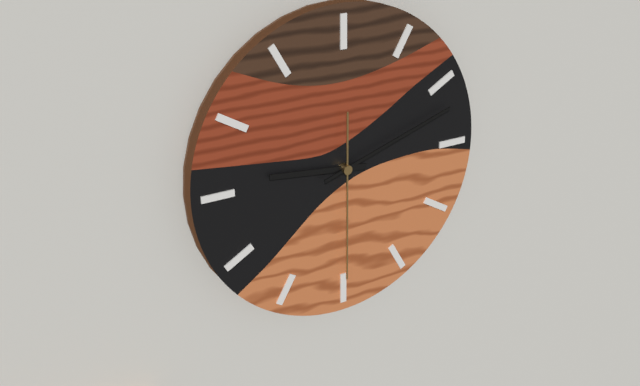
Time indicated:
**9:12:30**
